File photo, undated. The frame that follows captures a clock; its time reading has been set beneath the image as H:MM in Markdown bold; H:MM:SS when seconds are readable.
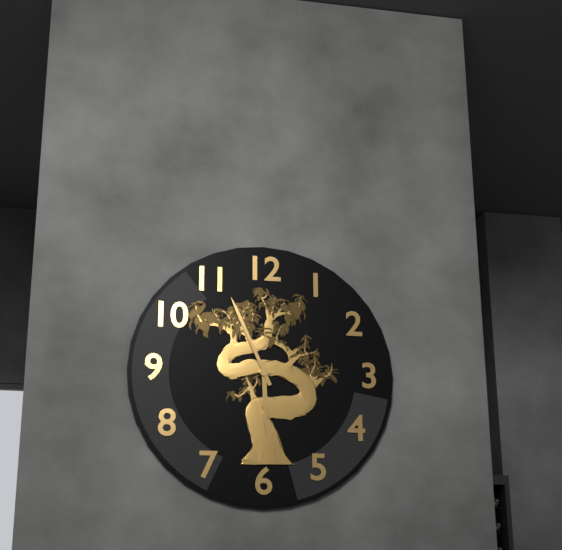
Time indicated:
**5:56**
